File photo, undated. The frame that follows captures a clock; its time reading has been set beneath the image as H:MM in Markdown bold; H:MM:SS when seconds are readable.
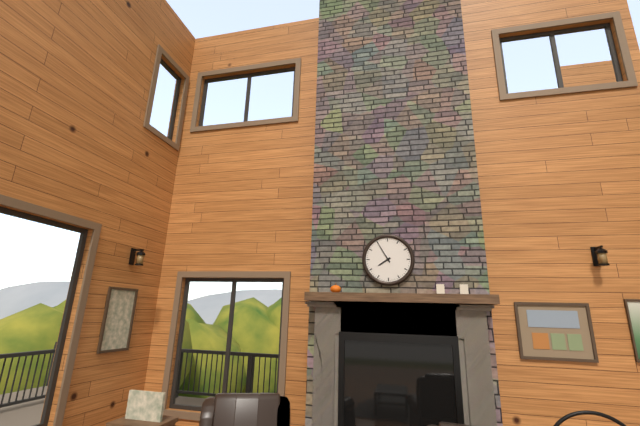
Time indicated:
**7:55**
